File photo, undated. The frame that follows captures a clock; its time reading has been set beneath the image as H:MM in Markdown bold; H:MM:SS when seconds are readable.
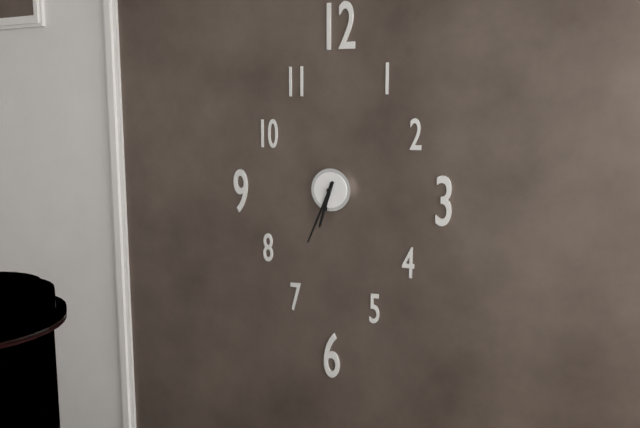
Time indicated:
**6:34**
